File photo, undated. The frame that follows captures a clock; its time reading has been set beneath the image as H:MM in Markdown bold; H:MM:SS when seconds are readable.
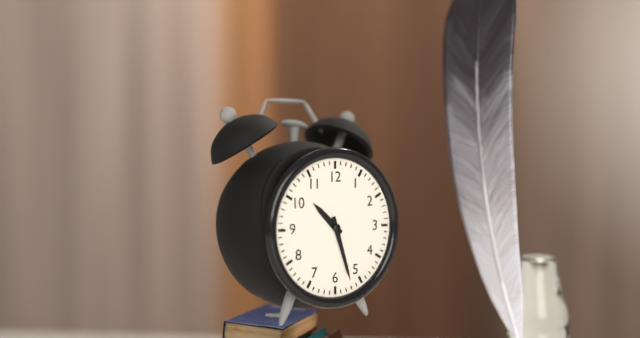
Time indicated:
**10:27**
